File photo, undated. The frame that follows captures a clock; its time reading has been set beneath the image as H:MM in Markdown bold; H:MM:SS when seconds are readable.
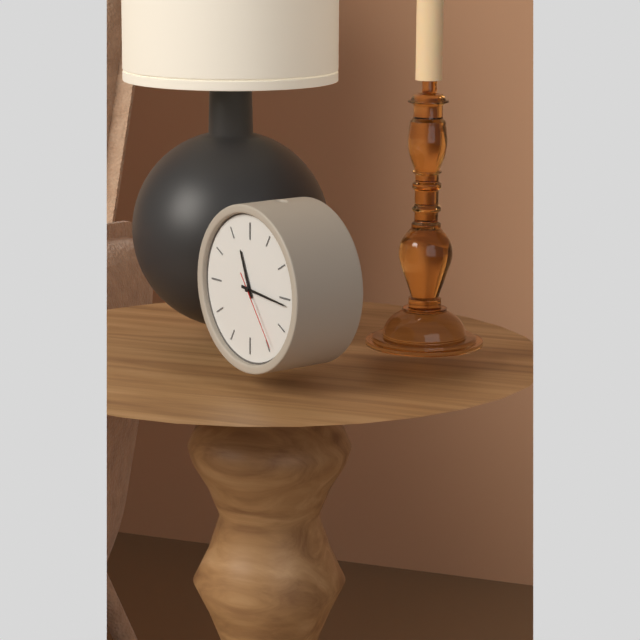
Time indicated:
**11:16:24**
